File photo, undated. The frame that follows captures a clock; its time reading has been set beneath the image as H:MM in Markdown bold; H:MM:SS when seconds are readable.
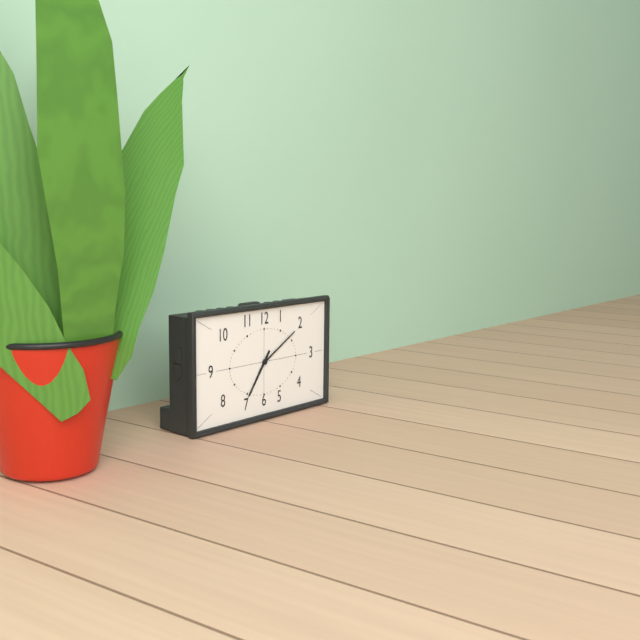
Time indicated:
**7:10**
